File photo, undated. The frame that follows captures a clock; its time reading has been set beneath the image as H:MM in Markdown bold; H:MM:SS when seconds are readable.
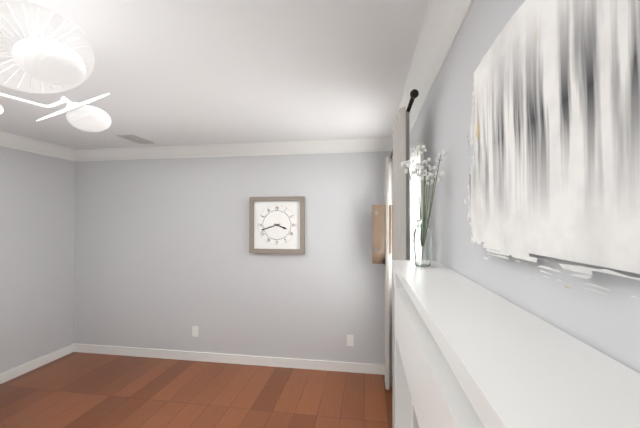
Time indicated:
**3:42**
